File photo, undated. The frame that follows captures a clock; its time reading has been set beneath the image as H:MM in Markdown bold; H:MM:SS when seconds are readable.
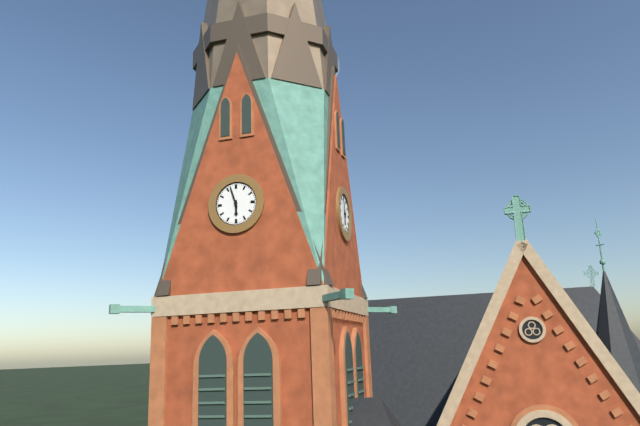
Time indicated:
**5:57**
